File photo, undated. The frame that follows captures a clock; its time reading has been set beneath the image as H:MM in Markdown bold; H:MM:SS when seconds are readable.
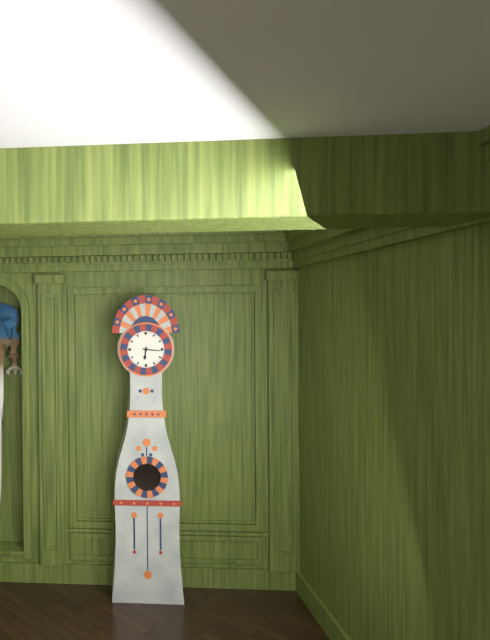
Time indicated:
**6:16**
